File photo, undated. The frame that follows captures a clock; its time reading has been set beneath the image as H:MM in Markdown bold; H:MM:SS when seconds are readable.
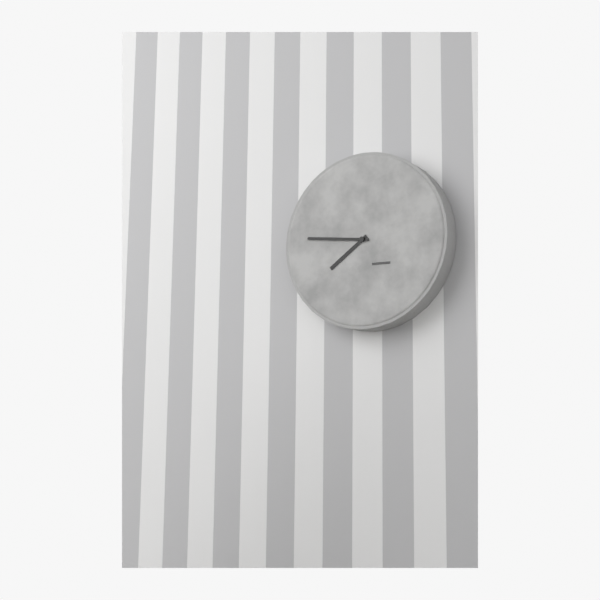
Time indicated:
**7:46**
